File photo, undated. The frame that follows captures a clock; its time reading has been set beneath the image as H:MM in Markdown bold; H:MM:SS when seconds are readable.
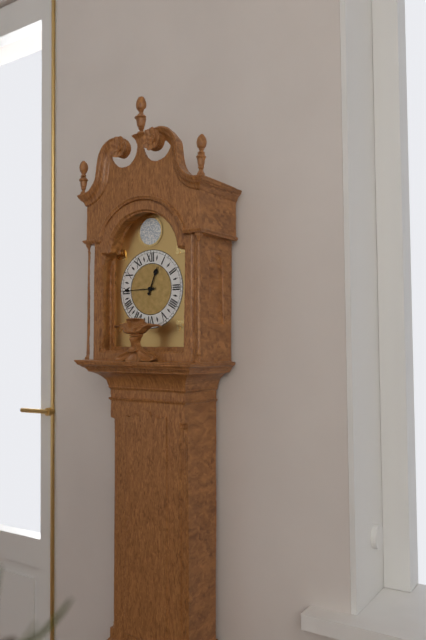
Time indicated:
**12:45**
